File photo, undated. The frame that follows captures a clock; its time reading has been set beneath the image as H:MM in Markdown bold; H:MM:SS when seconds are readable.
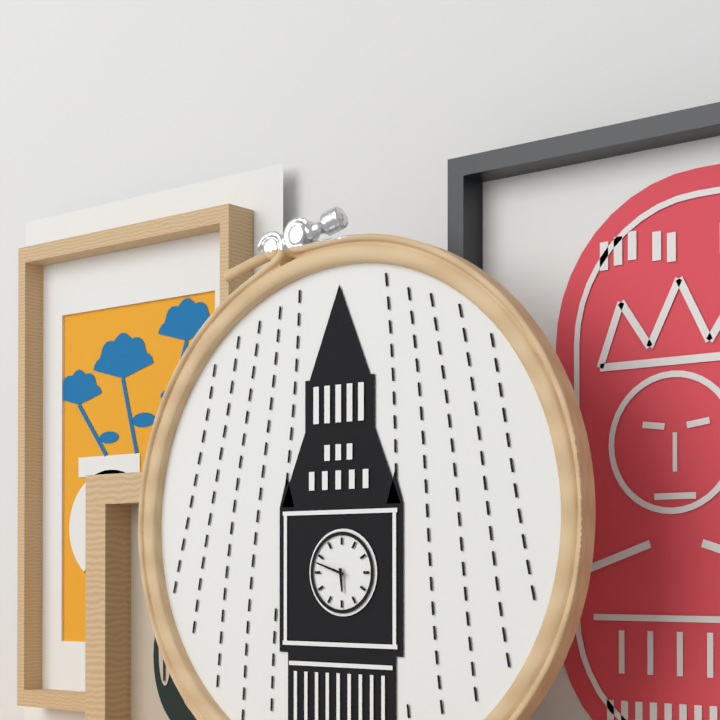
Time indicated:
**5:48**
